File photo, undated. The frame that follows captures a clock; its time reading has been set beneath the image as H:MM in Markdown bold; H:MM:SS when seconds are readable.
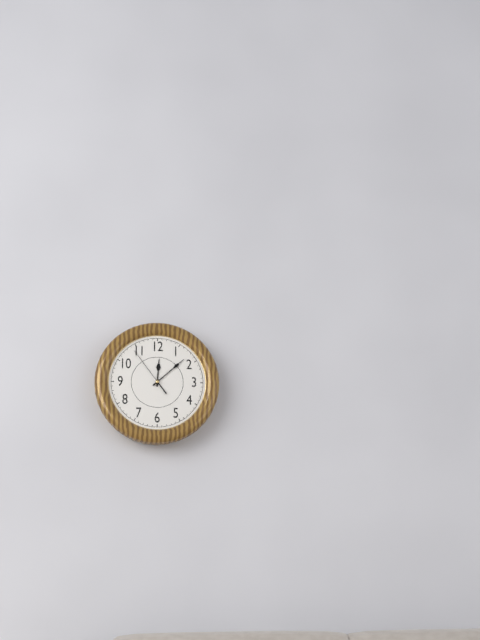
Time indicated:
**12:08**
